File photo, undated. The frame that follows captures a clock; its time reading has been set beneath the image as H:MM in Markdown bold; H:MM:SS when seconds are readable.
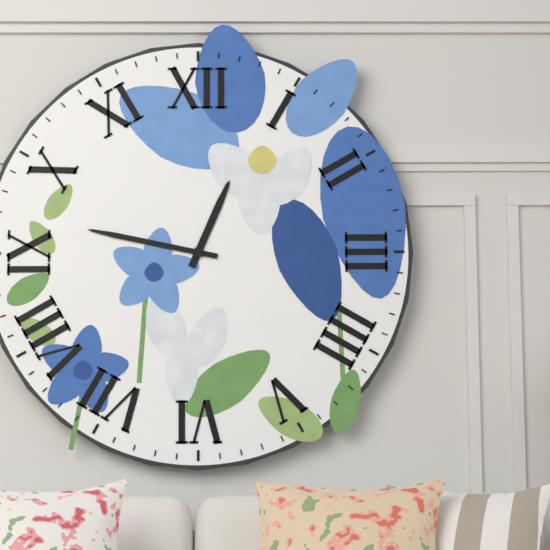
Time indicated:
**12:47**
